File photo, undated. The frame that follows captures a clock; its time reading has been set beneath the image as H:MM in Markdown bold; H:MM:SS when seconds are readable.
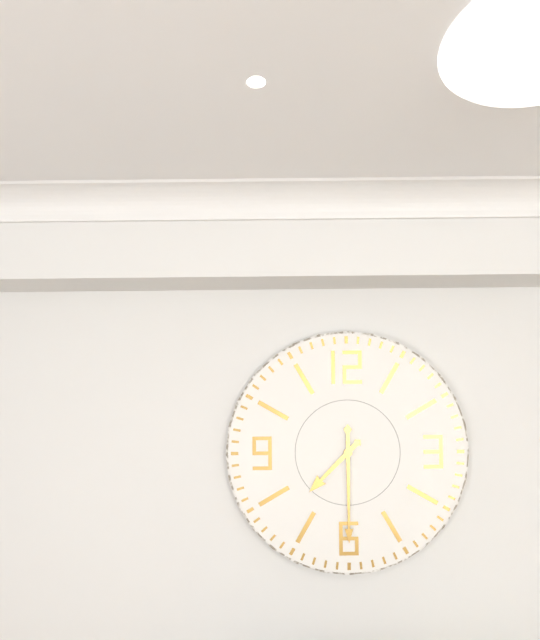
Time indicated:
**7:30**
